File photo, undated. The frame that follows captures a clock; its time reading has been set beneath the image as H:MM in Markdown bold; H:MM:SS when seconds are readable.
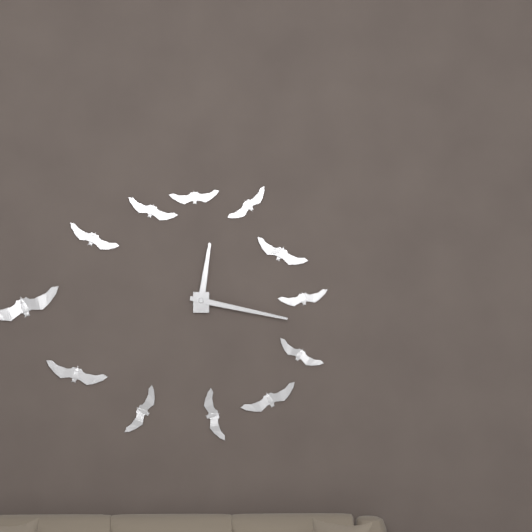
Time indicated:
**12:17**
